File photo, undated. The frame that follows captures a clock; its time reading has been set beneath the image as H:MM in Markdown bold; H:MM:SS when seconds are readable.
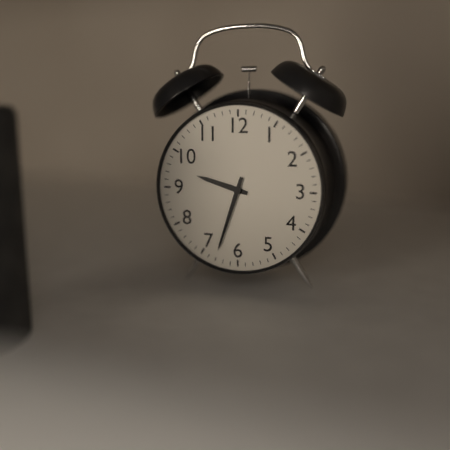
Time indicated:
**9:33**
